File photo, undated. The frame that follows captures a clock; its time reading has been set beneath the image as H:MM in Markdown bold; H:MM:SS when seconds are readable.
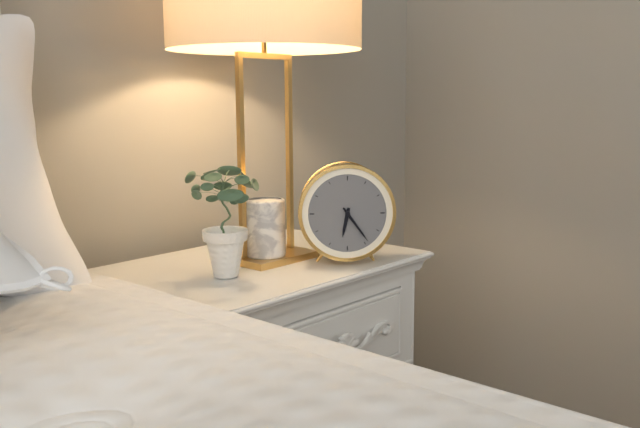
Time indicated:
**6:24**
